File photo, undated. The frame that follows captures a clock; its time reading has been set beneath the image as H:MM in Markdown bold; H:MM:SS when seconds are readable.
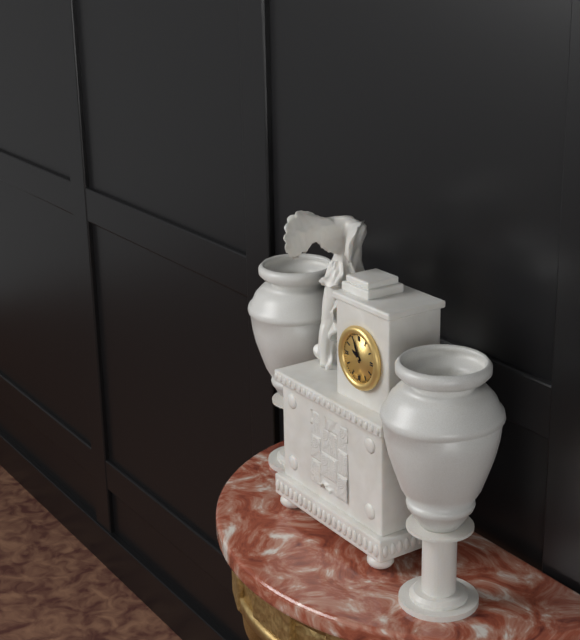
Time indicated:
**9:56**
